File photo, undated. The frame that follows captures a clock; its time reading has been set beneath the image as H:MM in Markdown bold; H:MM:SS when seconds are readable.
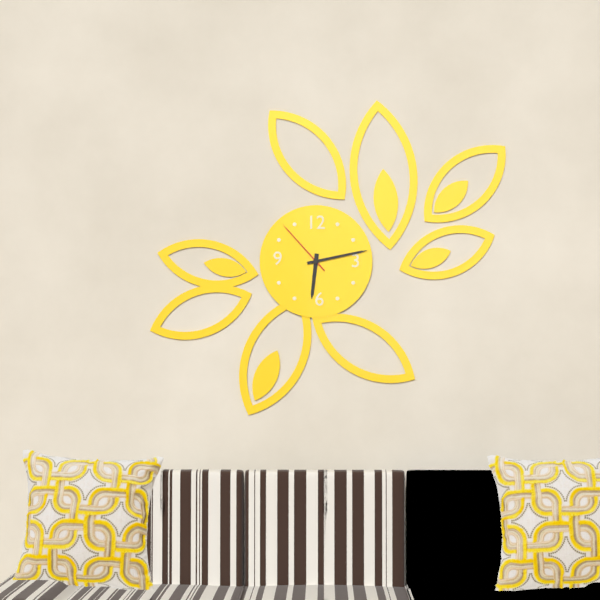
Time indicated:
**6:13:53**
